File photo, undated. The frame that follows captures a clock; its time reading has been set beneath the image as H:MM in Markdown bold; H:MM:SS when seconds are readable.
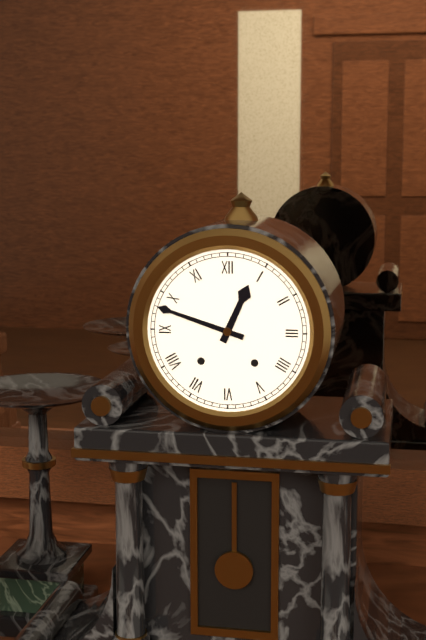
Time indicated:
**12:48**
